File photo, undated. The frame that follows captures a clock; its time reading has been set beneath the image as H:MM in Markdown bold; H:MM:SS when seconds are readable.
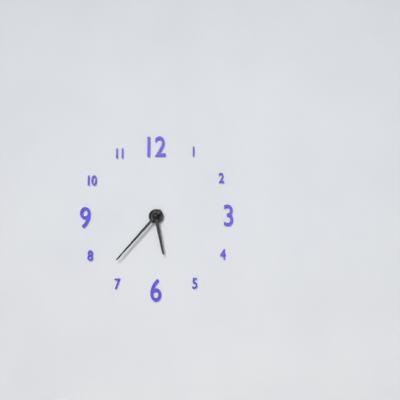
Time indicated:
**5:37**
